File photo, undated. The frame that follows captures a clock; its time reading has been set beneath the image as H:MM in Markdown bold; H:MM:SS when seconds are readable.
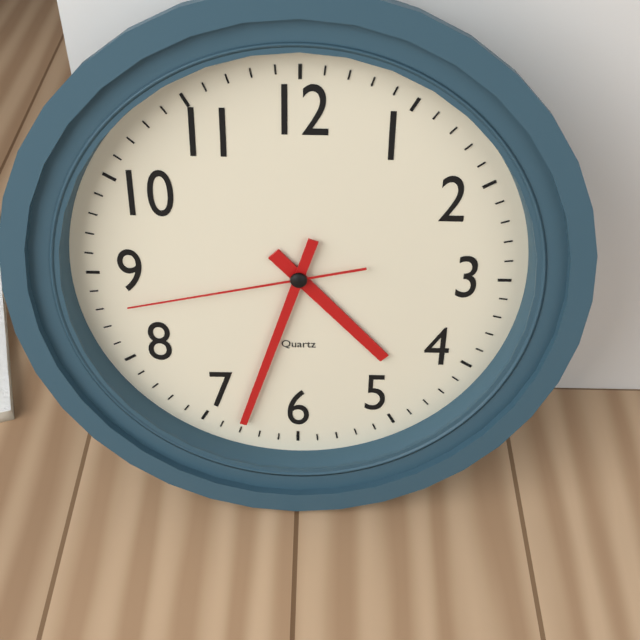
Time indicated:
**4:33:43**
